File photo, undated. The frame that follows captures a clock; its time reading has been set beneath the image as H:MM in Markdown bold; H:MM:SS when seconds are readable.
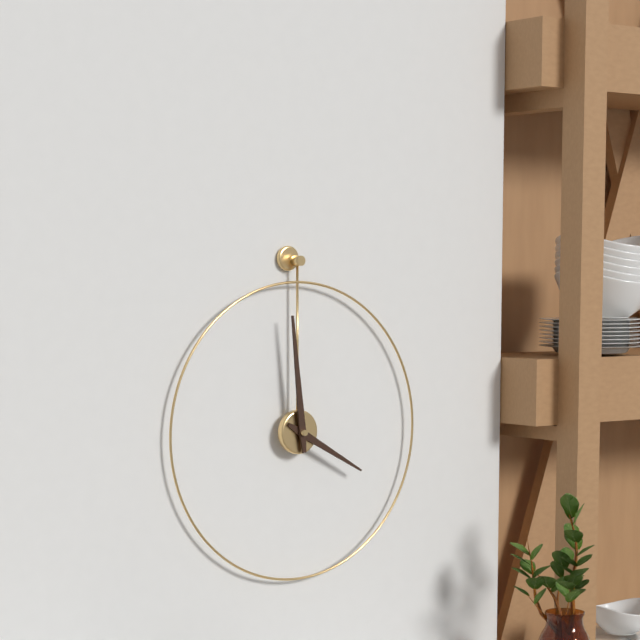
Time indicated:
**3:59**
